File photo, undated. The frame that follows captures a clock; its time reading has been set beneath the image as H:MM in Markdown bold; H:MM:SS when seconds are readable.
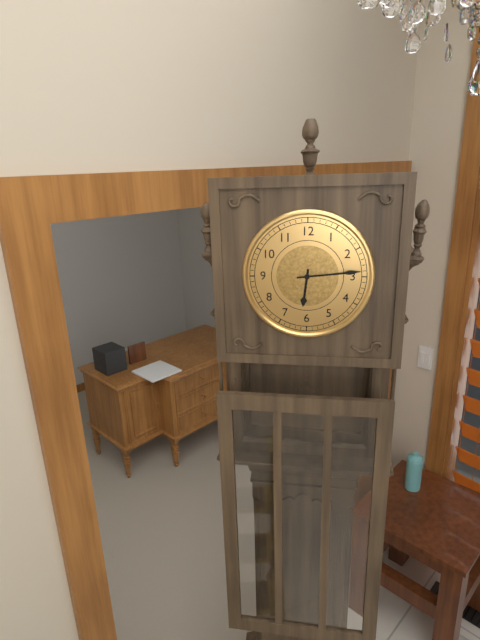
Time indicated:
**6:14**
